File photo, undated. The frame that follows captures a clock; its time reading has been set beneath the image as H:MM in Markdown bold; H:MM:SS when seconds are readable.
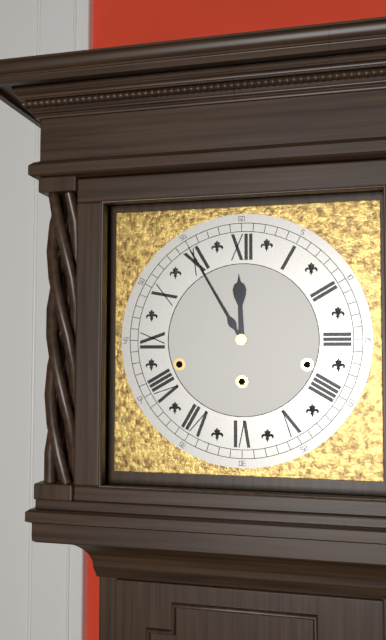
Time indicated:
**11:55**
